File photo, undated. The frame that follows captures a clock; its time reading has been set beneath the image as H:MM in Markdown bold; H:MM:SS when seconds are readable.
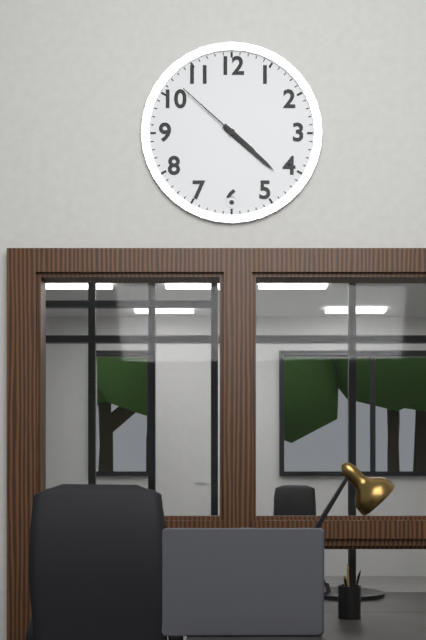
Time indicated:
**4:22:52**
